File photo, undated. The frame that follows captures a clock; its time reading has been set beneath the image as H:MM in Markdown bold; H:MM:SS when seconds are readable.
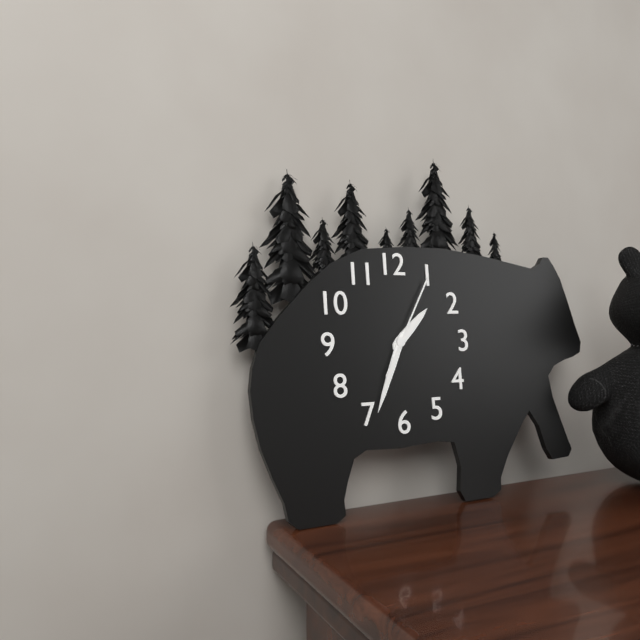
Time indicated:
**1:34:05**
